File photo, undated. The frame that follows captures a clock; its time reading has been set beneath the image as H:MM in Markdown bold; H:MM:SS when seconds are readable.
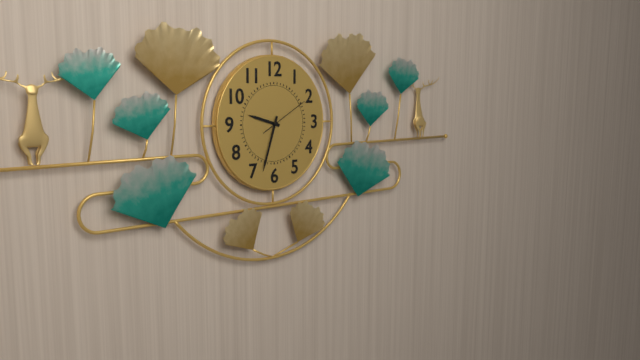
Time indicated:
**9:33**
